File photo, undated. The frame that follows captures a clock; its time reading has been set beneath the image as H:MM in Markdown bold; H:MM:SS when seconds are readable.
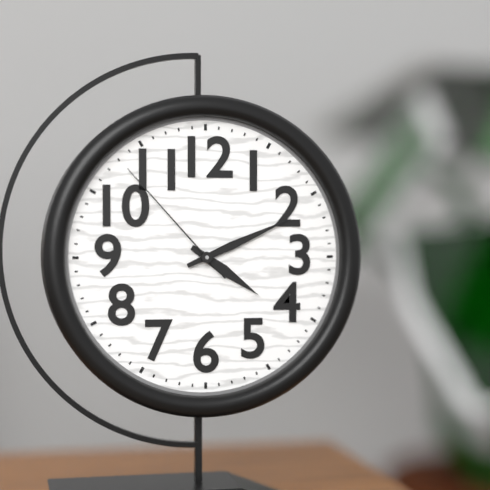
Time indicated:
**4:11:53**
